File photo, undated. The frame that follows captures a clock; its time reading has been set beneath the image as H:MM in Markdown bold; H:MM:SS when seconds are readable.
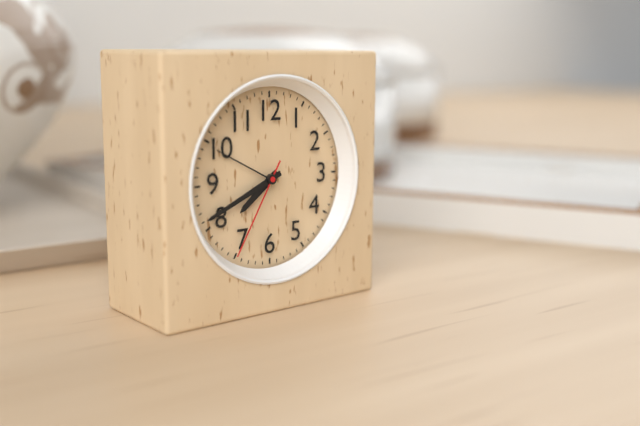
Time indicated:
**7:41:35**
